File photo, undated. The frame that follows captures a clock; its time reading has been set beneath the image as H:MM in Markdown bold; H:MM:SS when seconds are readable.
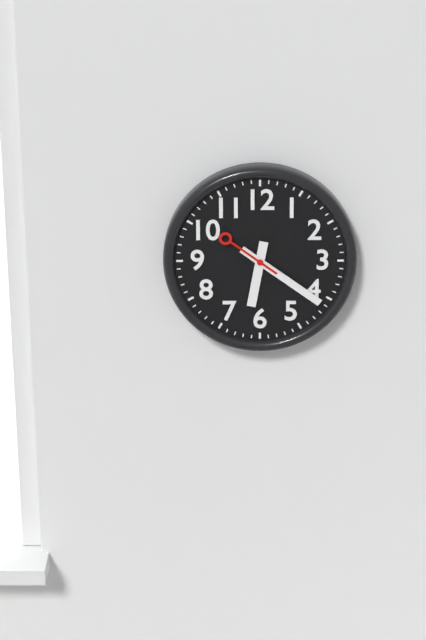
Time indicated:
**6:21:51**
